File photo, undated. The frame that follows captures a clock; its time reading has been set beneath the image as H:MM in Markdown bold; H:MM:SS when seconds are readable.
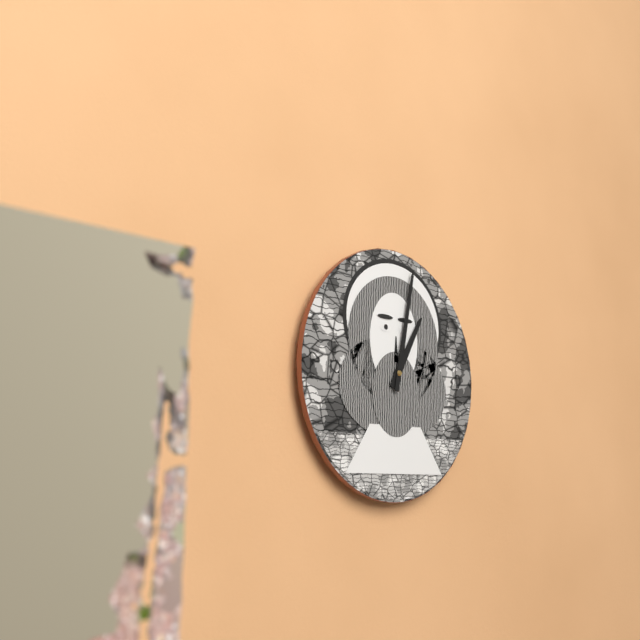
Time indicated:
**1:02**
